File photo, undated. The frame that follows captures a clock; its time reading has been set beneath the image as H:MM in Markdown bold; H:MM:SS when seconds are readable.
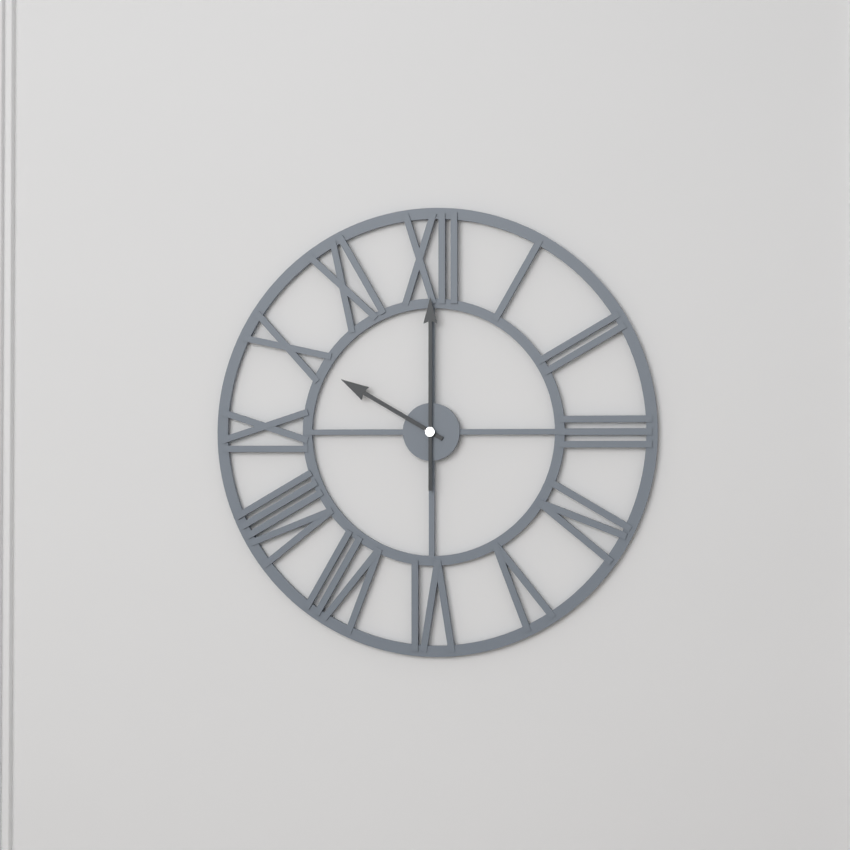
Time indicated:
**10:00**
